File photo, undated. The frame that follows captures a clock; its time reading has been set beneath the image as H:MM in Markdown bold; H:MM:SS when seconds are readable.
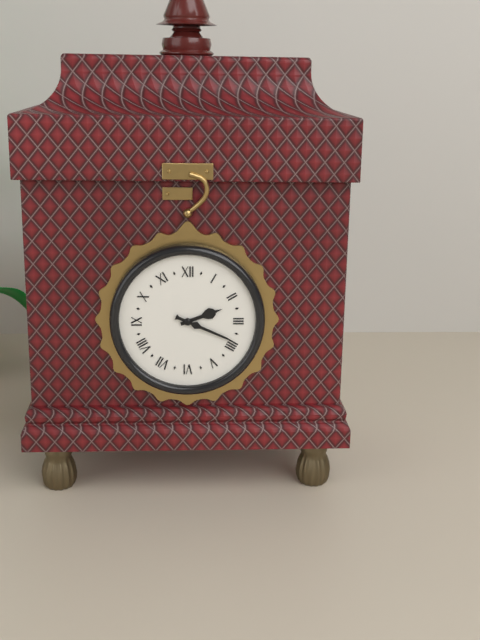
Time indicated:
**2:19**
